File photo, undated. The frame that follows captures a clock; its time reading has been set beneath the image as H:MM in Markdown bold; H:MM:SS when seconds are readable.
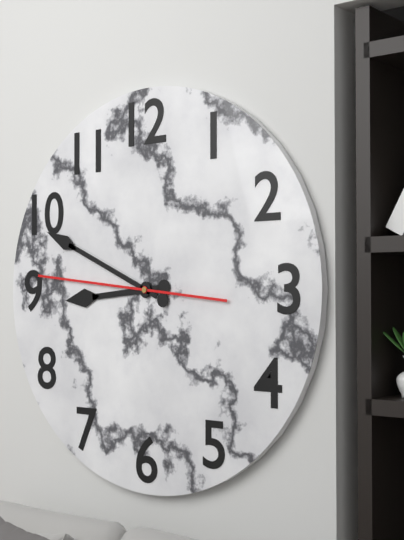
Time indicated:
**8:49:46**
